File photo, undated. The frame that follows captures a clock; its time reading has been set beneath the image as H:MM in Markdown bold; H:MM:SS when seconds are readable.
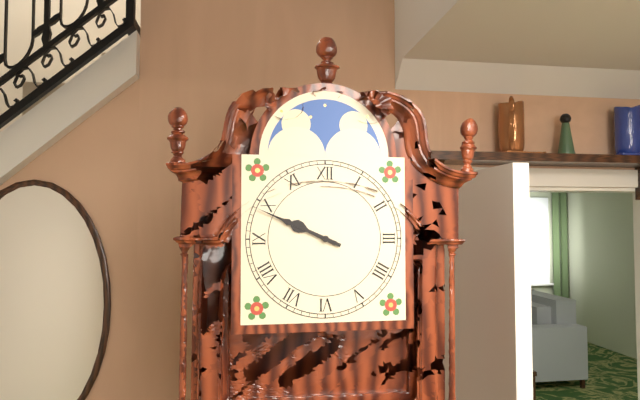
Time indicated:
**9:49**
